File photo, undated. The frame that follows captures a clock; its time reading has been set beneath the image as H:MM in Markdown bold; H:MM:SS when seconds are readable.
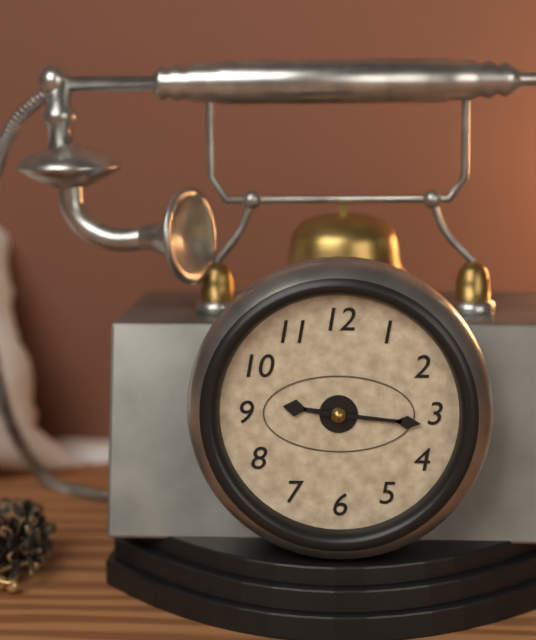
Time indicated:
**9:16**
